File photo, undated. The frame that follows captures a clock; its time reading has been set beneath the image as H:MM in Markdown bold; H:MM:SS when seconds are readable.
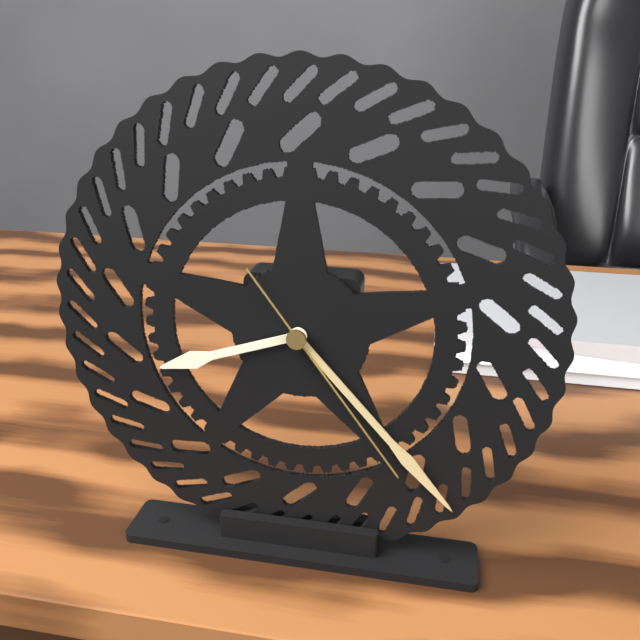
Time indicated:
**8:23:24**
